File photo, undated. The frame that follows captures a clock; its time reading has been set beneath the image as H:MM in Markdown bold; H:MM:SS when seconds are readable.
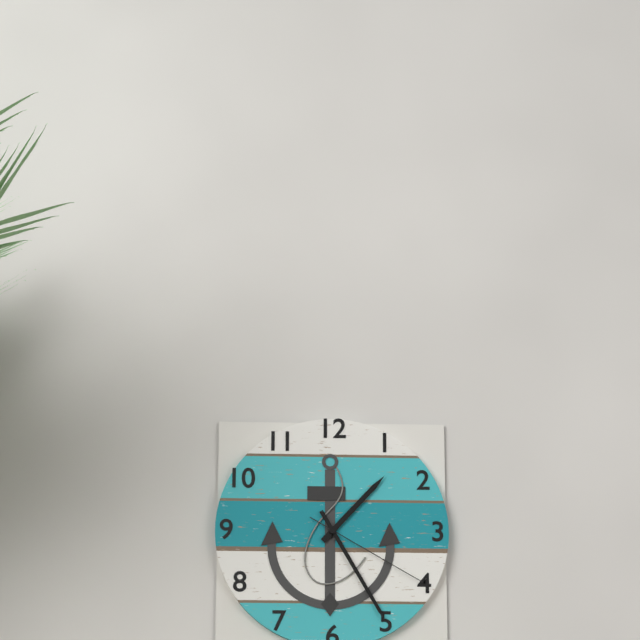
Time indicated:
**1:25:20**
